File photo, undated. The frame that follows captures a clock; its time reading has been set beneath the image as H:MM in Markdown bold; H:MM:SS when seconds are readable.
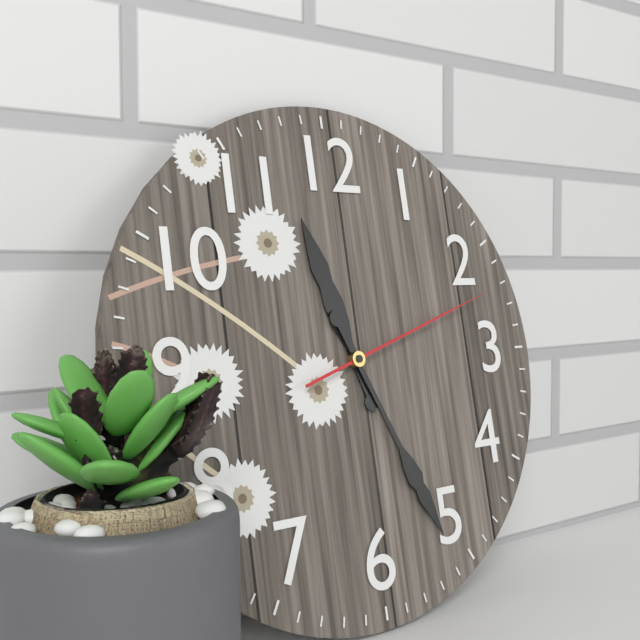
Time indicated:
**11:26:12**
